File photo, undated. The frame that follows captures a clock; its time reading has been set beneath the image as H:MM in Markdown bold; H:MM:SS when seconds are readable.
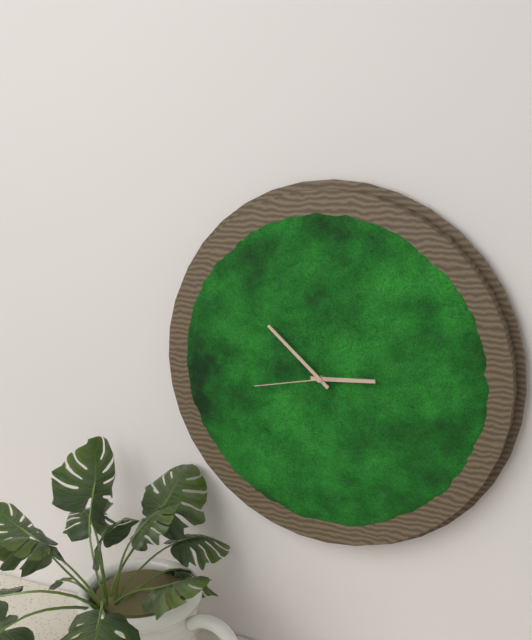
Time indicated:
**2:52:43**
